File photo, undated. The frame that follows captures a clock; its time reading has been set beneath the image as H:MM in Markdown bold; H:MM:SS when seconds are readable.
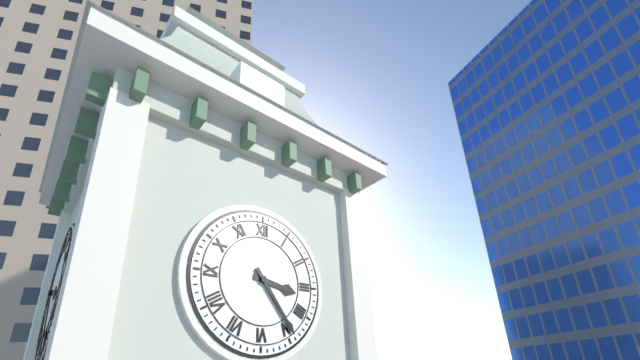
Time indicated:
**3:24**
